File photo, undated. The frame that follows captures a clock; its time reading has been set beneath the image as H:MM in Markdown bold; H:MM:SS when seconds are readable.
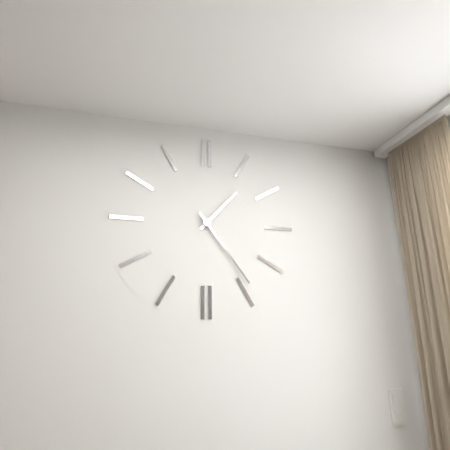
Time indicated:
**1:24**
